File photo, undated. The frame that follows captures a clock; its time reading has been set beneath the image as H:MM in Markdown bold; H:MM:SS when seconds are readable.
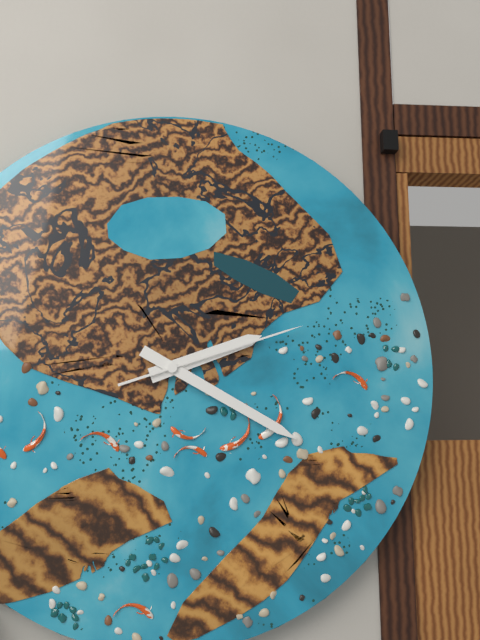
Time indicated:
**2:20:12**
